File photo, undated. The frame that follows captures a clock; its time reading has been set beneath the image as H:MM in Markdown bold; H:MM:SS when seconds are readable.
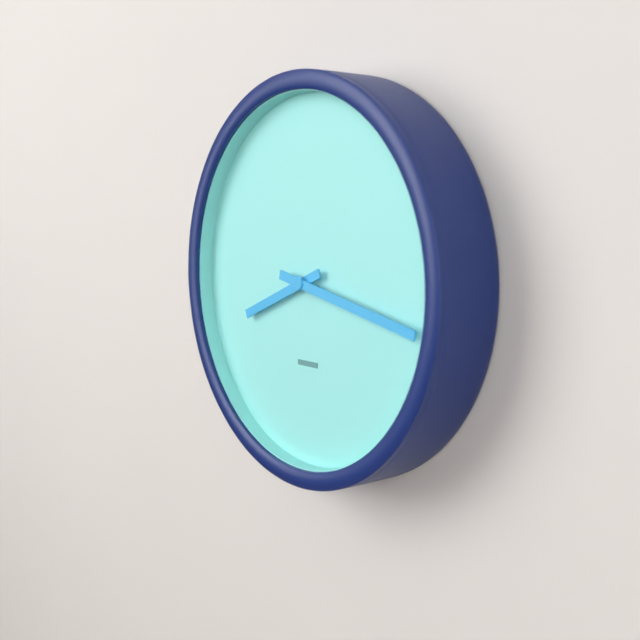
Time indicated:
**8:17**
